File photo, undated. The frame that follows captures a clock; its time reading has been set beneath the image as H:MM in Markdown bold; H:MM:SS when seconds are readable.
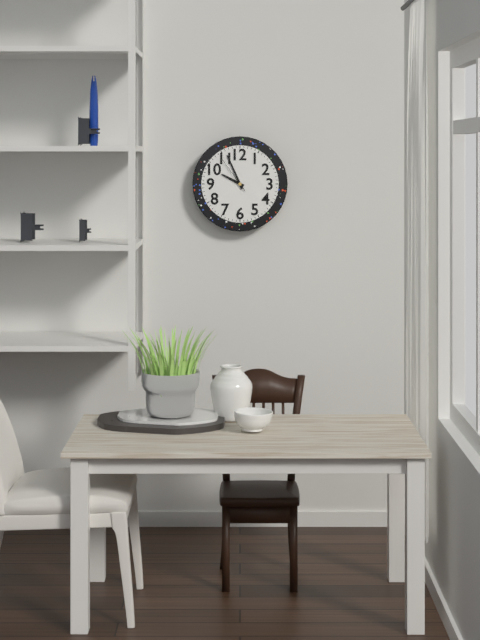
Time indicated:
**9:56**
